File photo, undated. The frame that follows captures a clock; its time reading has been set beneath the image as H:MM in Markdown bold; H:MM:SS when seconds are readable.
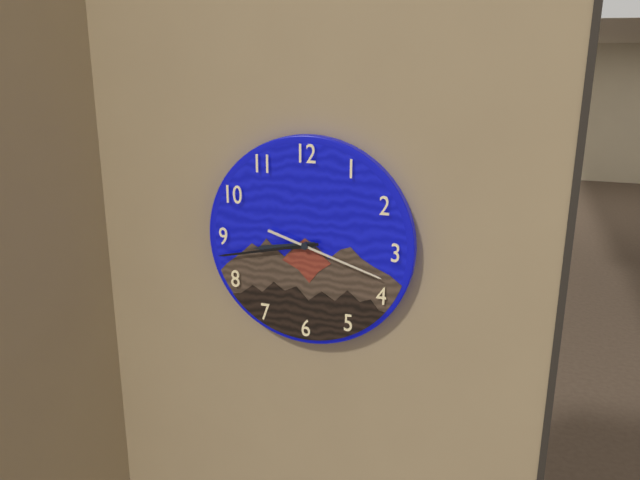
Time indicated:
**8:43:18**
